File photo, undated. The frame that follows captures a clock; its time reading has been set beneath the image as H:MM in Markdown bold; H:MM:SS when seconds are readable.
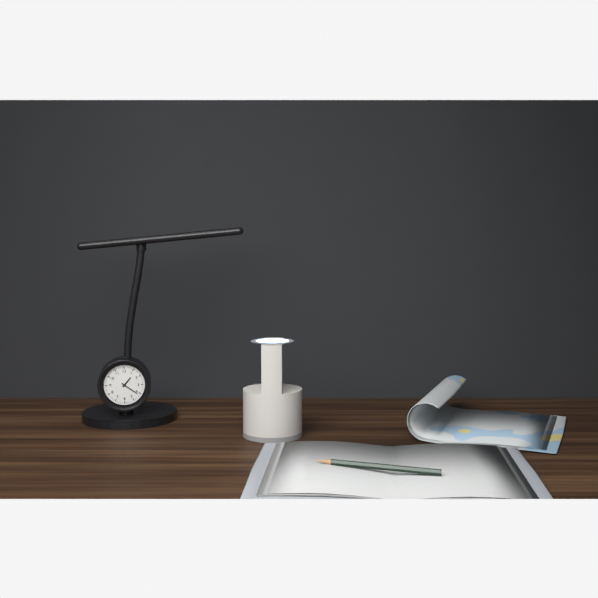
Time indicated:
**1:21**
